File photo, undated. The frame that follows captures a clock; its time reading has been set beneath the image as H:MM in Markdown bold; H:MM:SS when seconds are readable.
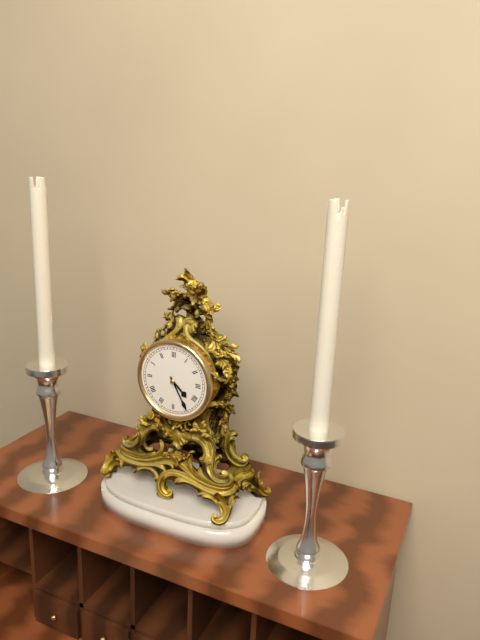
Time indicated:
**4:25**
